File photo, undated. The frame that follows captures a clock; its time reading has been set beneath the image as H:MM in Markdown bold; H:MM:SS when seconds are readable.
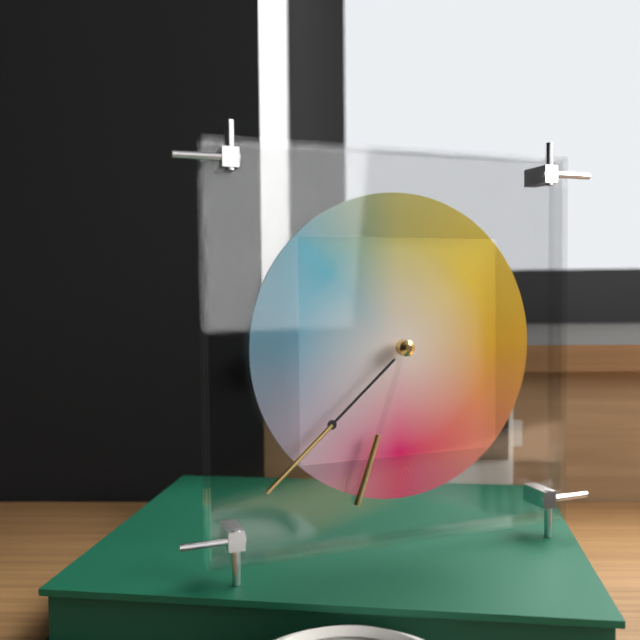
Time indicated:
**6:38**
